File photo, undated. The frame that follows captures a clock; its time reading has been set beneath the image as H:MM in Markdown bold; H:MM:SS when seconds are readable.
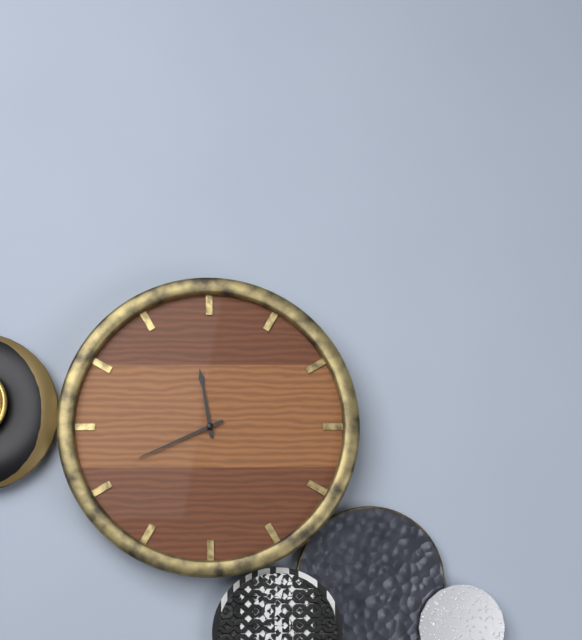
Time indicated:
**11:41**
